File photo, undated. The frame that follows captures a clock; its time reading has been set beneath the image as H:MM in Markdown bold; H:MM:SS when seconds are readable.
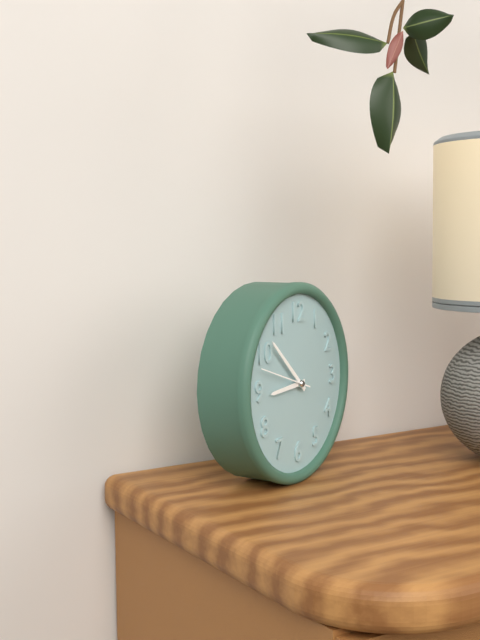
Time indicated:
**8:52:48**
